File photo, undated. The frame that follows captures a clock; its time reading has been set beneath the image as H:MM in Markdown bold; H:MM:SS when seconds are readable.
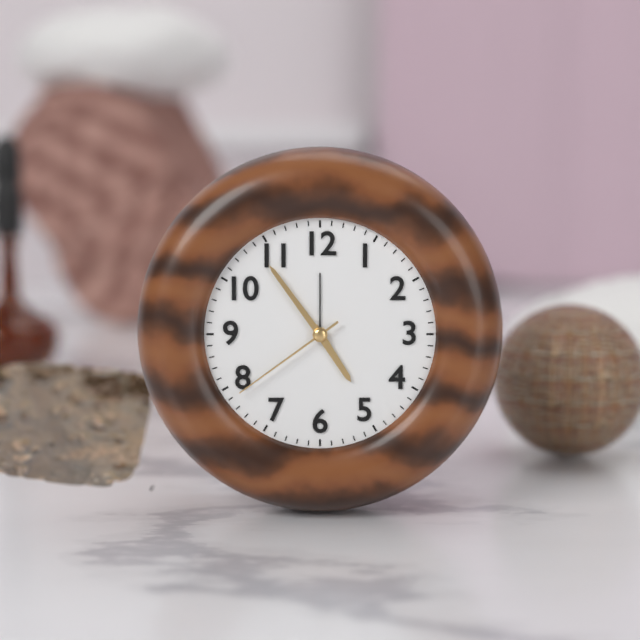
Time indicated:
**4:54:39**
